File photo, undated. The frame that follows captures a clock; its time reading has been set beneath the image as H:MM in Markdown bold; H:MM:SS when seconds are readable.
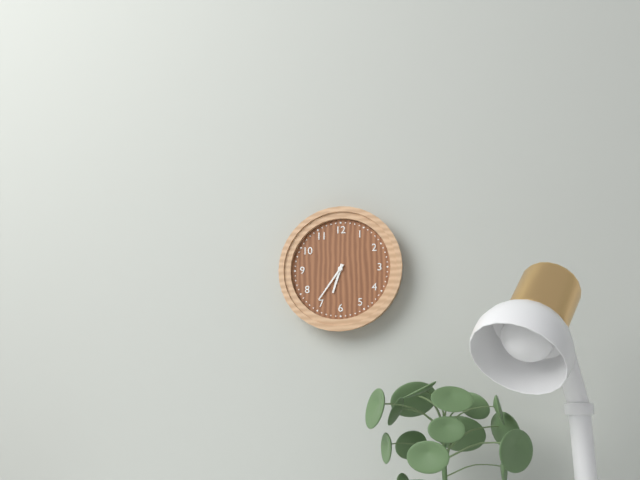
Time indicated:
**6:36**
